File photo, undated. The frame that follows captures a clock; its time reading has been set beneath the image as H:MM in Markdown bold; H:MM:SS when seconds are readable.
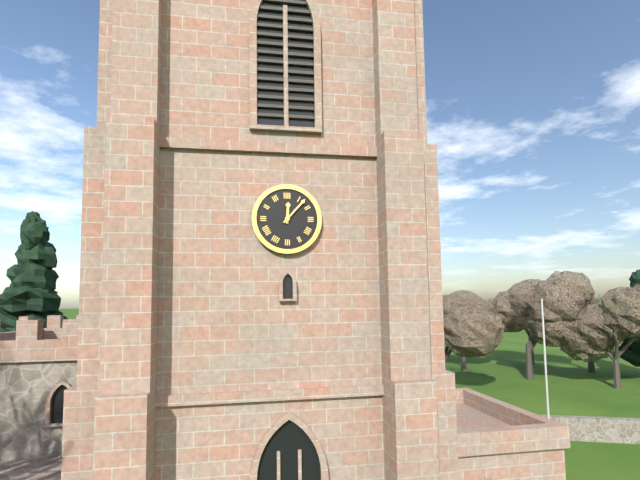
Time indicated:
**12:07**
